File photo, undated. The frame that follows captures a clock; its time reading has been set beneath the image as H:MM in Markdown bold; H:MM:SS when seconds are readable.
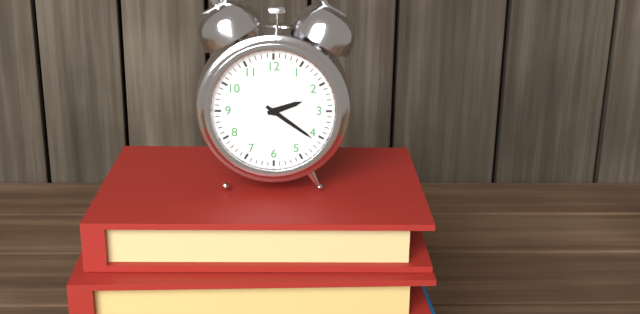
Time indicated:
**2:21**
